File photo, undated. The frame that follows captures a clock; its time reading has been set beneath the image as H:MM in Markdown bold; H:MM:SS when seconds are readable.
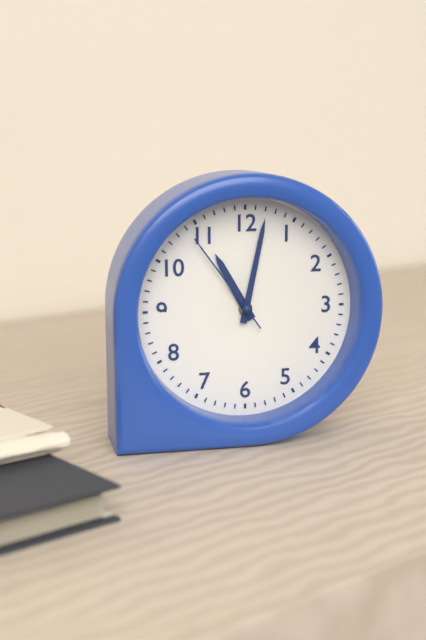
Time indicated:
**11:02:54**
